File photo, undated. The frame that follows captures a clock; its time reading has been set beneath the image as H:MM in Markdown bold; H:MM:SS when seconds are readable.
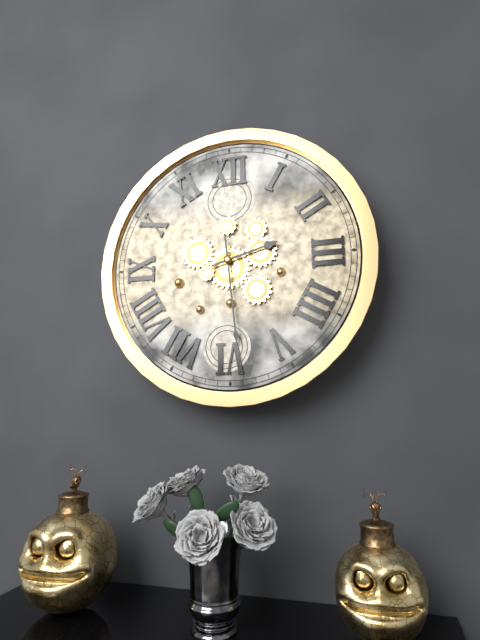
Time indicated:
**2:29**
